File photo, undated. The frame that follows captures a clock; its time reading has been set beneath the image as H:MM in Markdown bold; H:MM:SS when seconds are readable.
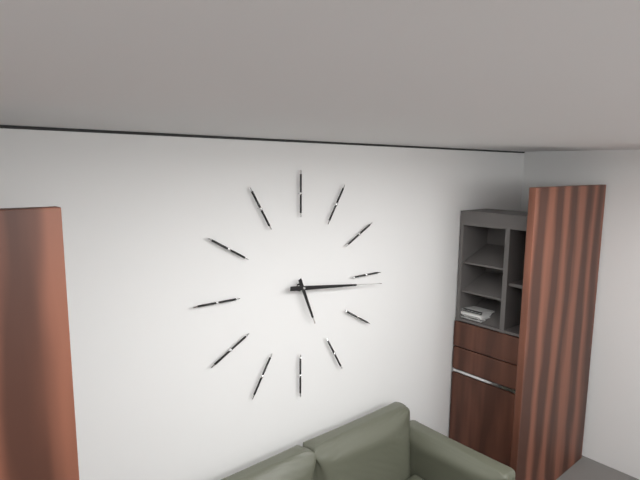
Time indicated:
**5:16**
